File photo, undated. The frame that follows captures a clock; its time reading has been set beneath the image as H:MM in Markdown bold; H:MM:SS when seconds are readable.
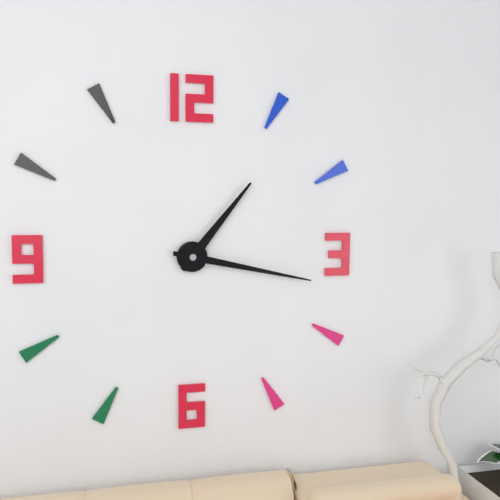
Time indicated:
**1:17**
